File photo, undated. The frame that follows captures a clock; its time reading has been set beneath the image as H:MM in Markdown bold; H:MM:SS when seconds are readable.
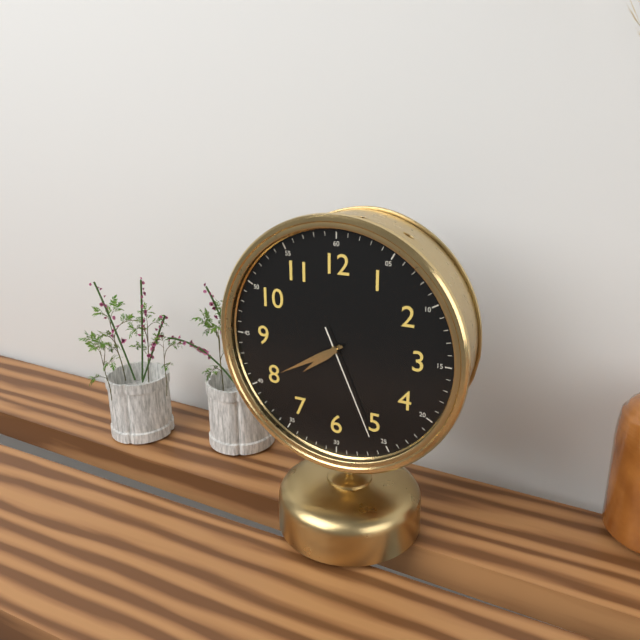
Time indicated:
**7:40:26**
